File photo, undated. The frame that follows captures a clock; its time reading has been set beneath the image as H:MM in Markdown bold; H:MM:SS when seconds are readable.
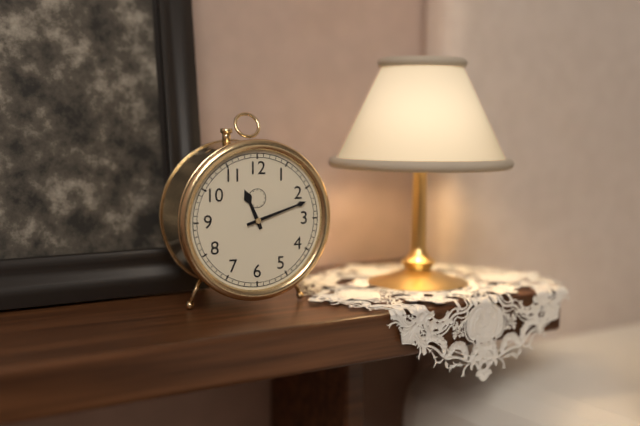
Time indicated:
**11:12**
